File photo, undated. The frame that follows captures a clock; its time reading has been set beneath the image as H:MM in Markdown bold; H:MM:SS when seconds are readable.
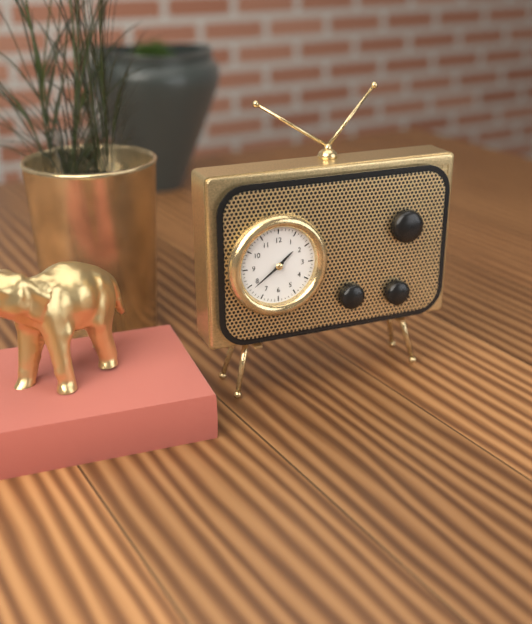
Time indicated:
**1:39**
